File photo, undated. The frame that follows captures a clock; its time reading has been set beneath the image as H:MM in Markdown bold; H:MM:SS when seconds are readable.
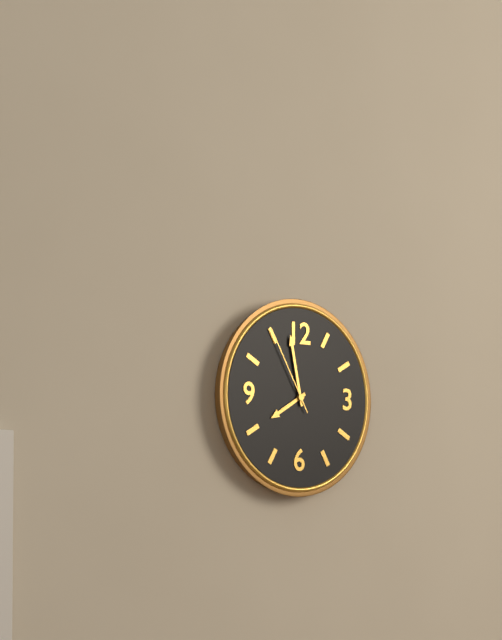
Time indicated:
**7:58:55**
